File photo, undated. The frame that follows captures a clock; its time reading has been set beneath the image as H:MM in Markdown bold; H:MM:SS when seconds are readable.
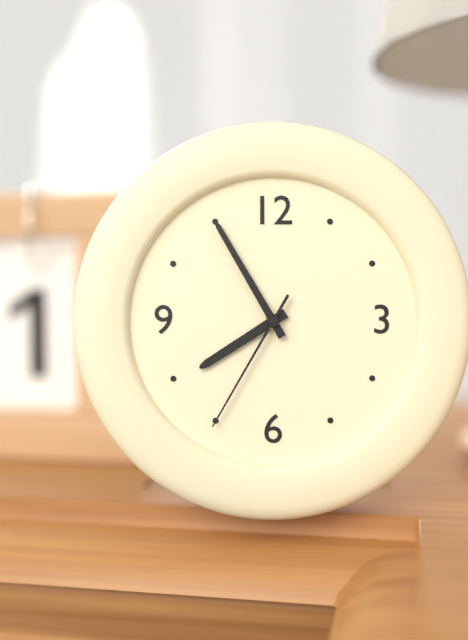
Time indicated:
**7:55:35**
